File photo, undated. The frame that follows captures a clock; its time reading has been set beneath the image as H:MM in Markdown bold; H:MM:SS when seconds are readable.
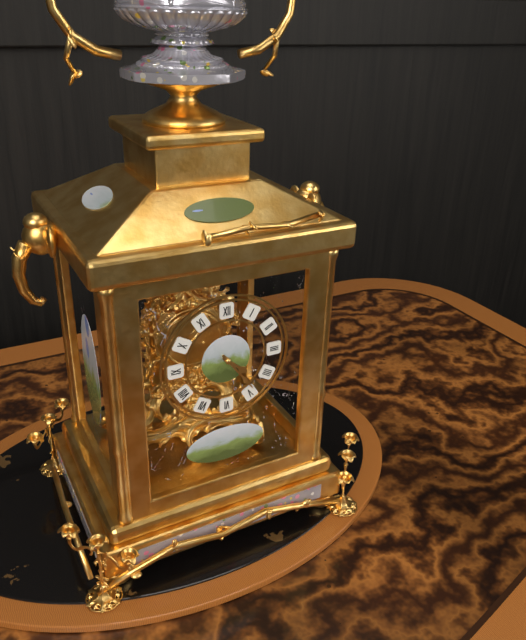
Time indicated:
**4:24**
